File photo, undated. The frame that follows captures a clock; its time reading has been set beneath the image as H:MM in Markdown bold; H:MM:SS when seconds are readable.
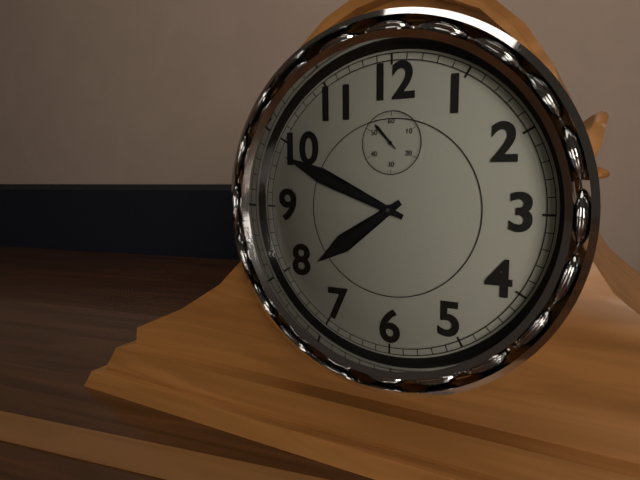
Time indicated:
**7:49**
